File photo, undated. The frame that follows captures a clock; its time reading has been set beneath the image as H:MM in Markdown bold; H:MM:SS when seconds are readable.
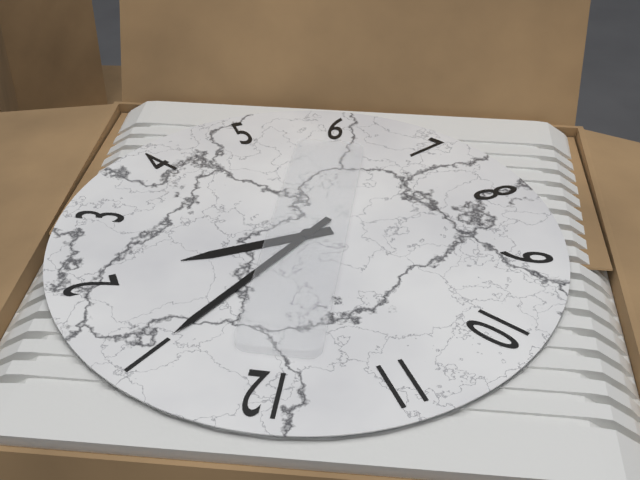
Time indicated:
**2:05**
